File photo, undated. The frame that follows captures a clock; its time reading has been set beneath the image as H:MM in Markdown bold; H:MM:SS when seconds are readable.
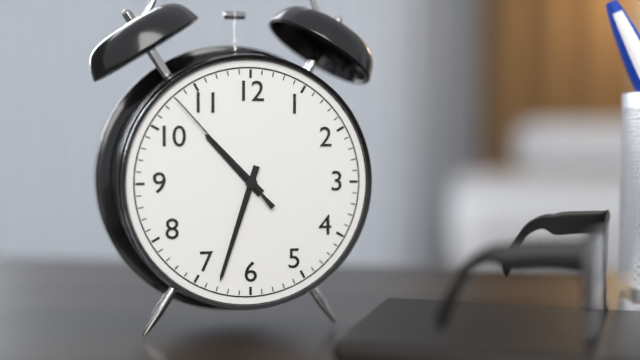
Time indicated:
**10:33:53**
